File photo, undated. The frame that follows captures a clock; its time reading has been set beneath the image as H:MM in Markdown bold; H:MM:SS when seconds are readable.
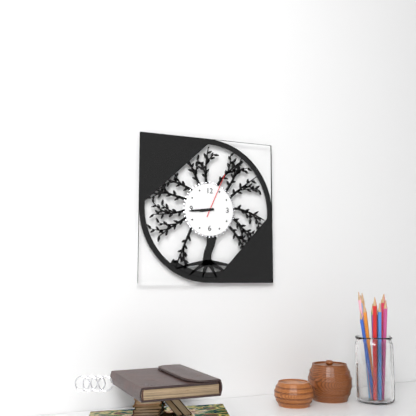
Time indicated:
**8:44**
